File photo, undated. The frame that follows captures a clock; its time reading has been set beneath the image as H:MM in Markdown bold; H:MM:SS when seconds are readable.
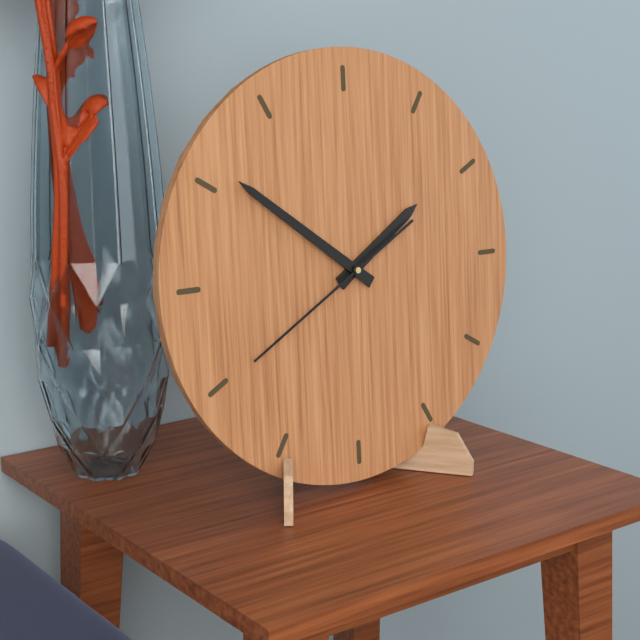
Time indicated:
**1:51:40**
